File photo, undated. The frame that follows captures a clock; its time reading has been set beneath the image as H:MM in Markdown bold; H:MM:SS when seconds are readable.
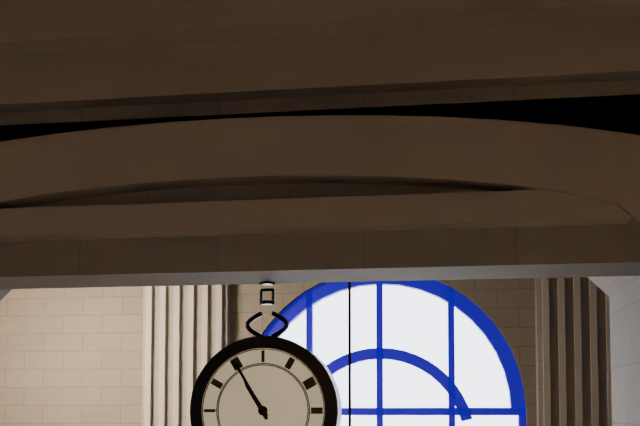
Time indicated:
**10:55**
